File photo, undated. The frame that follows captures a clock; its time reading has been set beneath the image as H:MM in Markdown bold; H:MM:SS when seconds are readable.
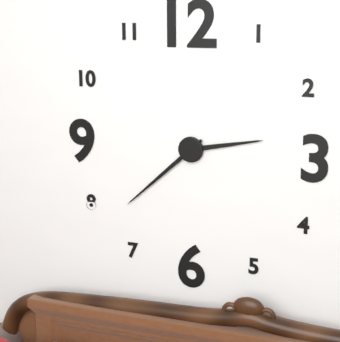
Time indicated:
**2:38**
